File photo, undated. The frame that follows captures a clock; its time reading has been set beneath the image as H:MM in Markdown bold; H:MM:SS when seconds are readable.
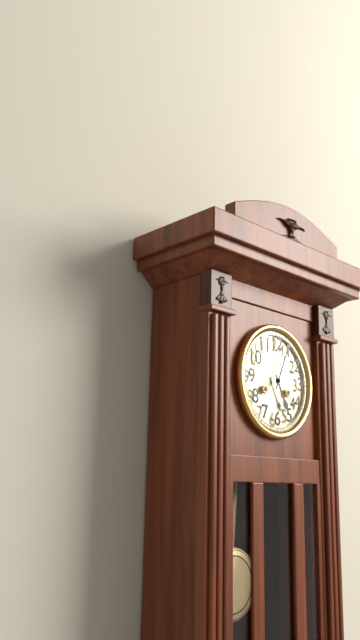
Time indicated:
**5:04**
